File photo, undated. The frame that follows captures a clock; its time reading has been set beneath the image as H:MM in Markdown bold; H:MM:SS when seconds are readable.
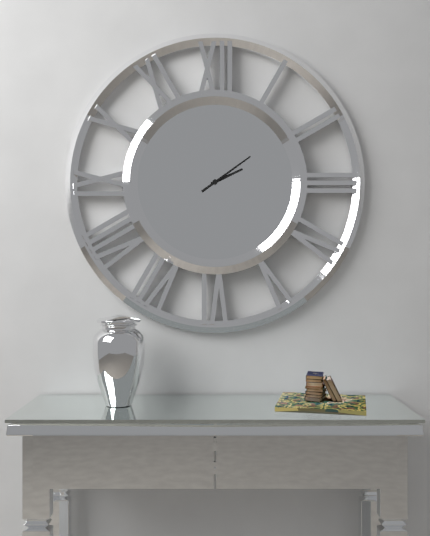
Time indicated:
**2:09**
